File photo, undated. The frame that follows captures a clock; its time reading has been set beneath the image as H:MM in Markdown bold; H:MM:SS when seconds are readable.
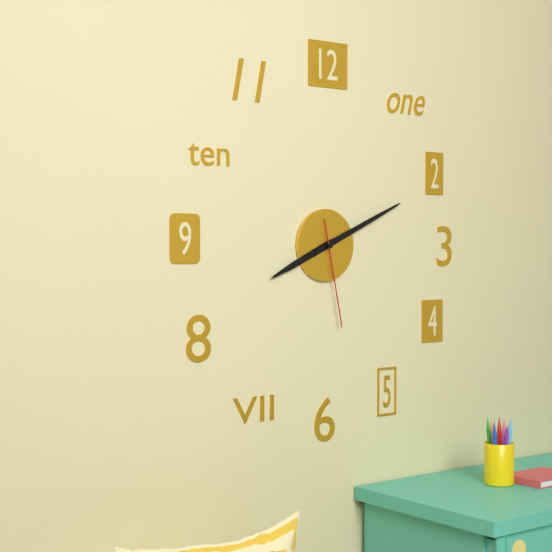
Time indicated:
**8:11:28**
